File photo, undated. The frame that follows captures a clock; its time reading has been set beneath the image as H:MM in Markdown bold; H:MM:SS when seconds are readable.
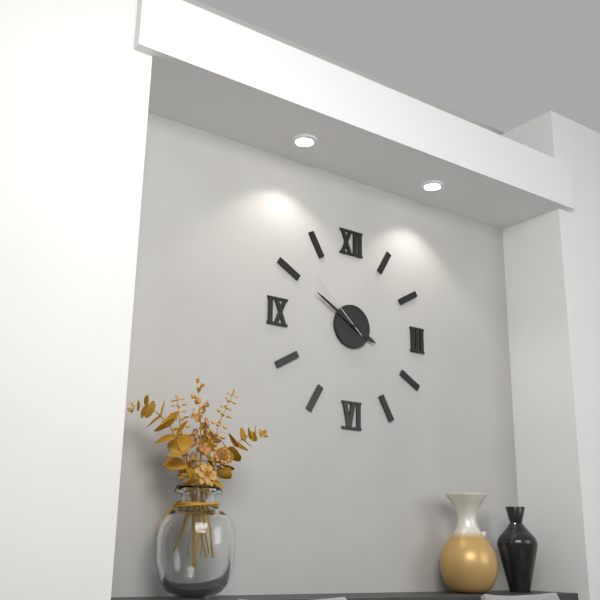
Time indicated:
**3:50:52**
